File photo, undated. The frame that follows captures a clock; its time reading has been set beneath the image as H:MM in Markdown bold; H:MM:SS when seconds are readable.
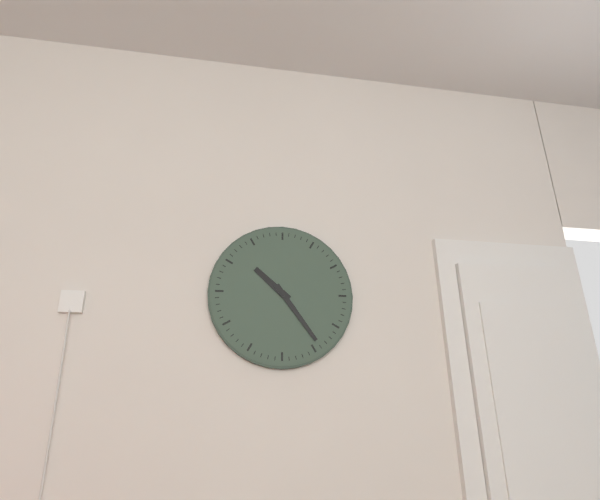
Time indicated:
**10:24**
